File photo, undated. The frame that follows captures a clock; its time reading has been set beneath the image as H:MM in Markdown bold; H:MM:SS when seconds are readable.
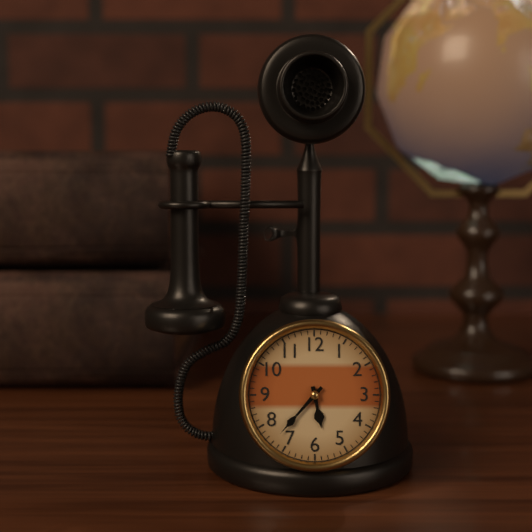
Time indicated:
**5:37**
